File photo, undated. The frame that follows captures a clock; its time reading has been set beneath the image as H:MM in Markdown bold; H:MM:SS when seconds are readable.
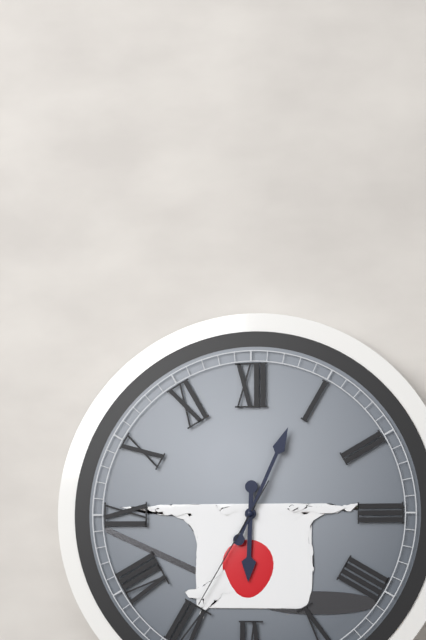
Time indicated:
**6:04:35**
